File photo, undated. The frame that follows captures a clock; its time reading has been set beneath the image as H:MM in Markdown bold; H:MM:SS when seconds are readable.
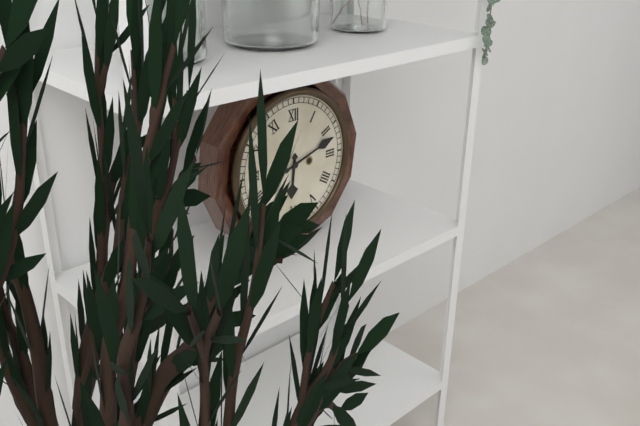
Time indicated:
**6:12**
